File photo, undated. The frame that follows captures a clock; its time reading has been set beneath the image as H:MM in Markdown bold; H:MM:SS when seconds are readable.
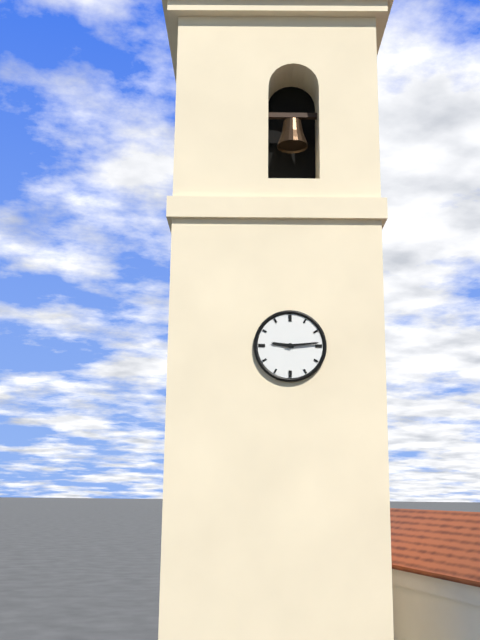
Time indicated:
**9:14**
